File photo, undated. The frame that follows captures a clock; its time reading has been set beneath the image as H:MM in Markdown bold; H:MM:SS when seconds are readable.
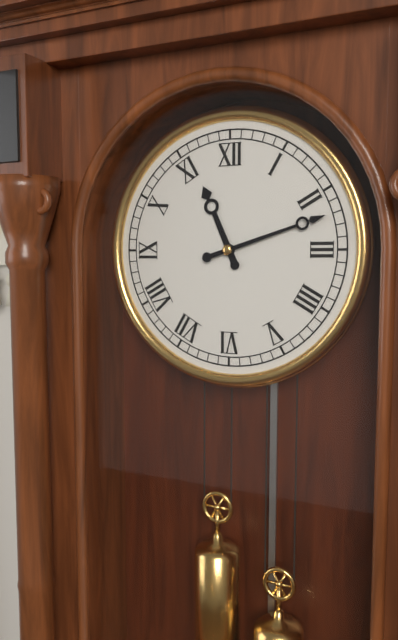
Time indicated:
**11:12**
